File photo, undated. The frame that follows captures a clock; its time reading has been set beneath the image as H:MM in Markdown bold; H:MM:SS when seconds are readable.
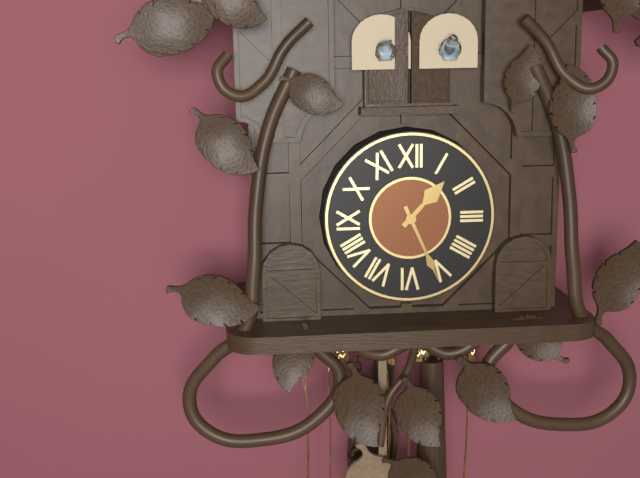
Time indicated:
**1:26**
